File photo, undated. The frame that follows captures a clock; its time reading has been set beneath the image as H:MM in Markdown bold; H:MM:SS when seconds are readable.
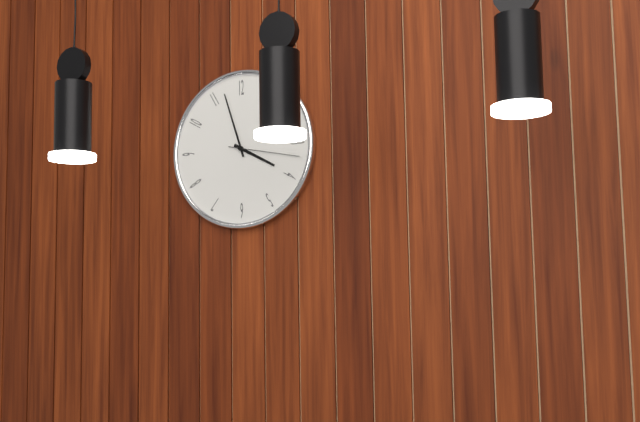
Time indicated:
**3:57:17**
